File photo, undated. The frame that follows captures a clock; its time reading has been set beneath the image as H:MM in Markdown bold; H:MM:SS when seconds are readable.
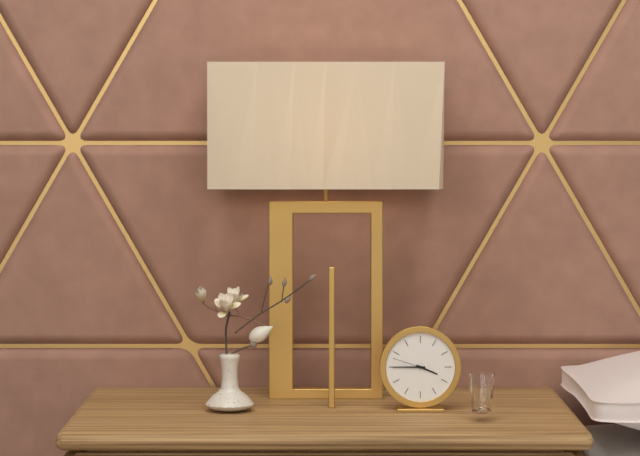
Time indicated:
**3:45**
